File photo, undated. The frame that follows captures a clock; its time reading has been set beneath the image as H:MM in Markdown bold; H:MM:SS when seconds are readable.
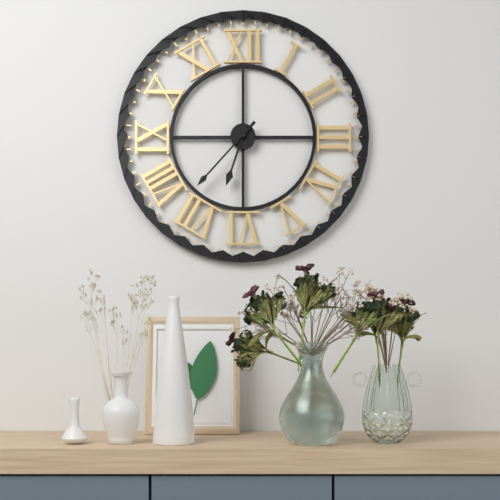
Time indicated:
**6:37**
